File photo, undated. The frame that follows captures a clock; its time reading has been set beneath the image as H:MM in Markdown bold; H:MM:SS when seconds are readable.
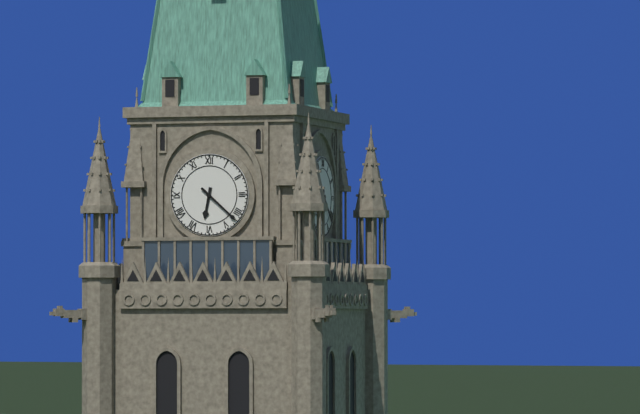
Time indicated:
**6:22**
